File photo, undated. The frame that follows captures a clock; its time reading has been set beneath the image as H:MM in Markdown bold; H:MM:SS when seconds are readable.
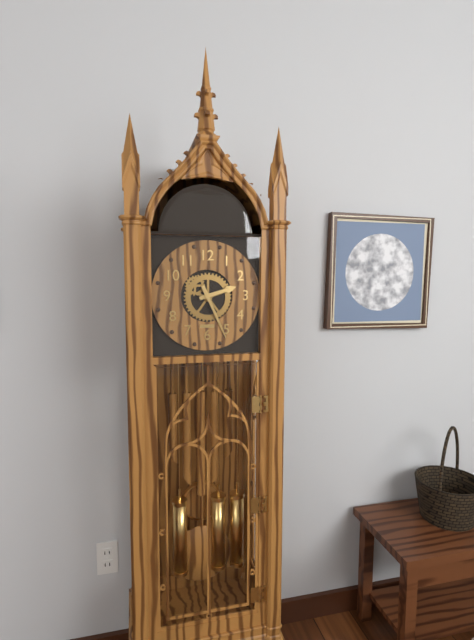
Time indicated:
**2:26**
